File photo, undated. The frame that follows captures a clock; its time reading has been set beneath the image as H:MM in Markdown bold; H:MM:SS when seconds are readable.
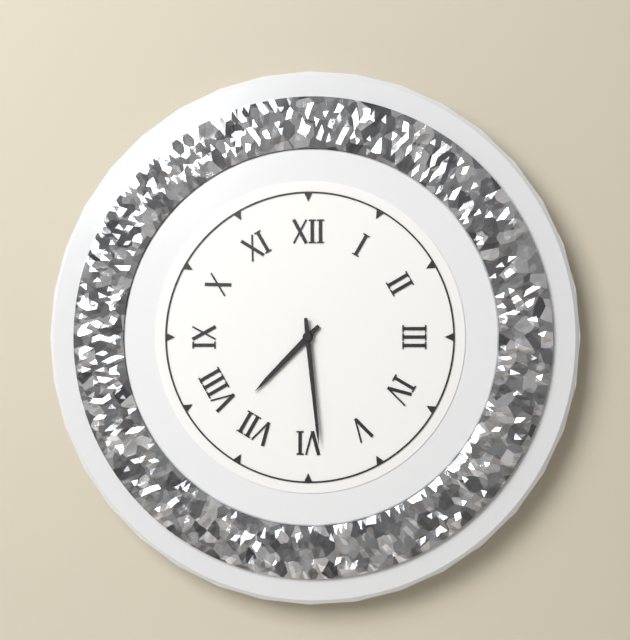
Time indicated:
**7:29**
